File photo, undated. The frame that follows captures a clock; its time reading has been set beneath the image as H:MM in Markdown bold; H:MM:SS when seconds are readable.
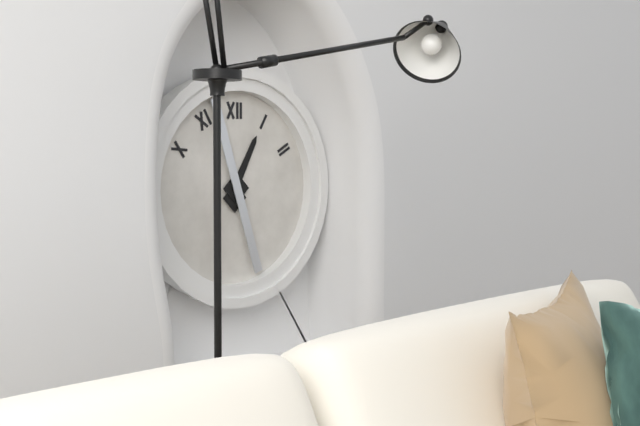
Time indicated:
**12:57**
